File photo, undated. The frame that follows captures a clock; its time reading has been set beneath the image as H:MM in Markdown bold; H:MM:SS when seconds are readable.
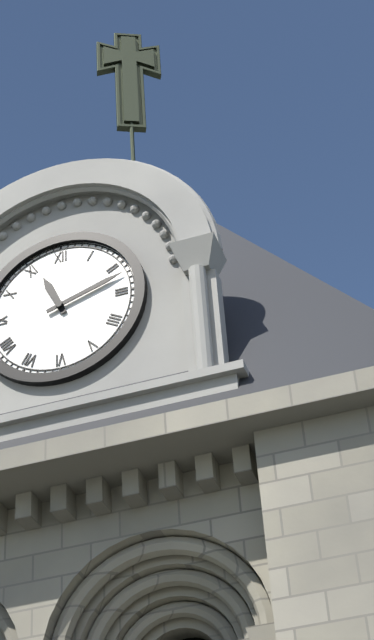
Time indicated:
**11:12**
